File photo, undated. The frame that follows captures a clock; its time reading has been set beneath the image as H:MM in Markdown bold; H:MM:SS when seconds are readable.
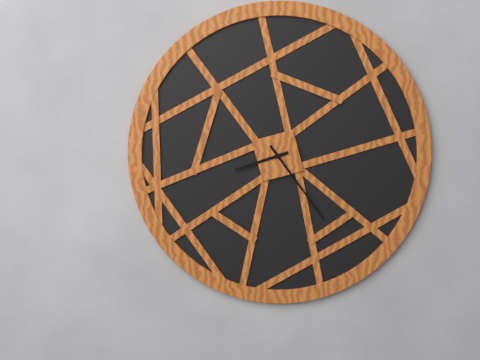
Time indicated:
**8:24**
